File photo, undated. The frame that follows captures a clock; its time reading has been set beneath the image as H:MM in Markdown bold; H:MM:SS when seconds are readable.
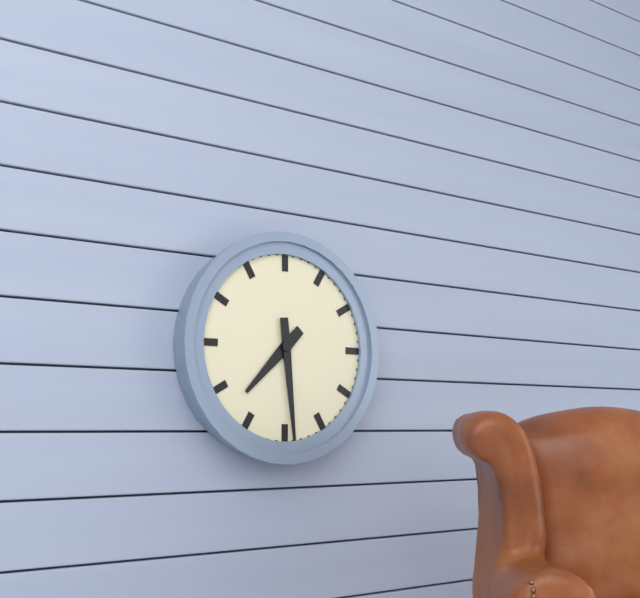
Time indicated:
**7:29**
